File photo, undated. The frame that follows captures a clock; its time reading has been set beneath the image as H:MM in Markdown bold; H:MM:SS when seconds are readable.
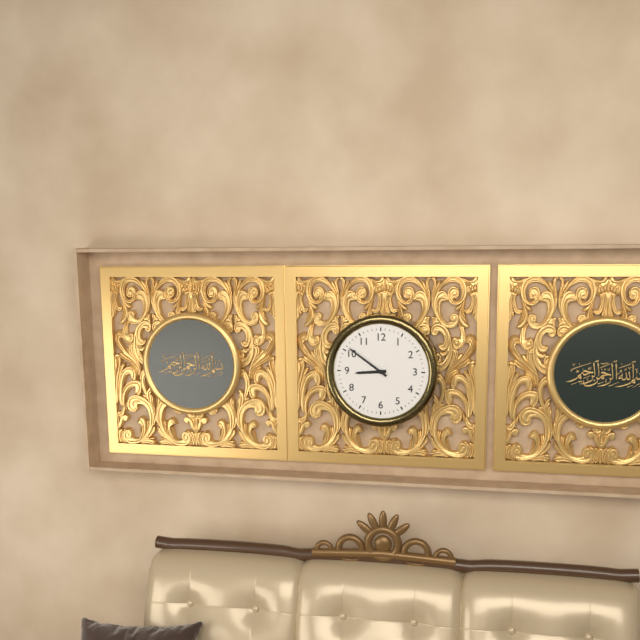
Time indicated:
**8:51**
